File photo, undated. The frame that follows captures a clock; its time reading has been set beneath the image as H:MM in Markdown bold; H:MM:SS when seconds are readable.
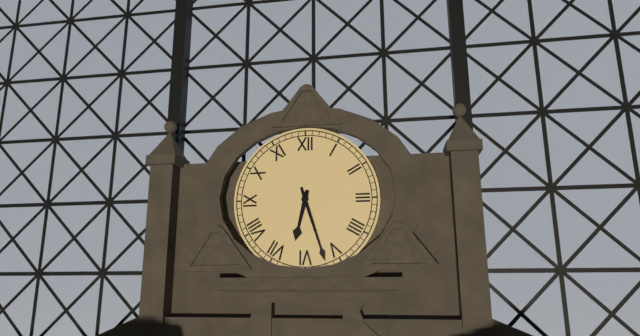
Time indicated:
**6:27**
